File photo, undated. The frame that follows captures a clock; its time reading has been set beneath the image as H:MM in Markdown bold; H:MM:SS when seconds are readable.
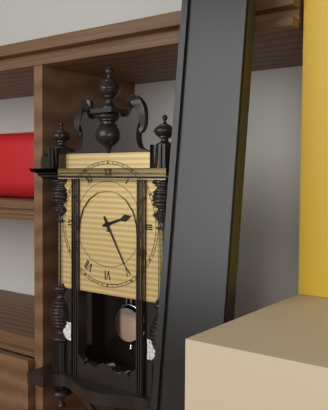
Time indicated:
**2:25**
